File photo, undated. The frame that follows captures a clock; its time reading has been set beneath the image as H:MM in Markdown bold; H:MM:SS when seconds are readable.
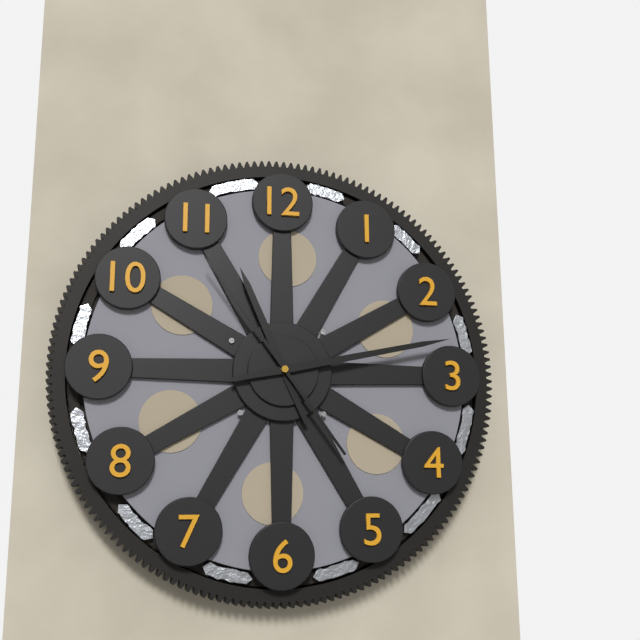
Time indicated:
**11:13:54**
